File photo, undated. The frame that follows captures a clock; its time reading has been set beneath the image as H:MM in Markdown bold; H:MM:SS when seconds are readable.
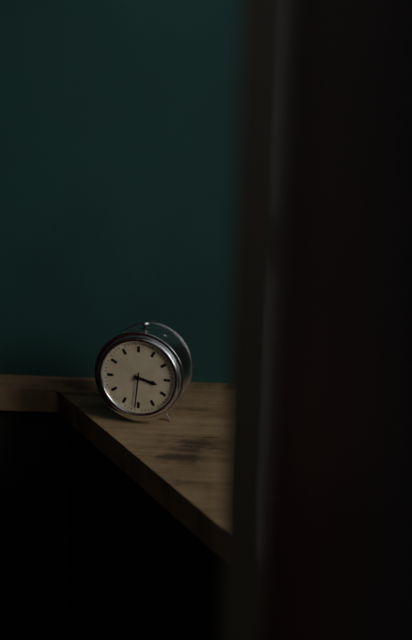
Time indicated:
**3:31**
